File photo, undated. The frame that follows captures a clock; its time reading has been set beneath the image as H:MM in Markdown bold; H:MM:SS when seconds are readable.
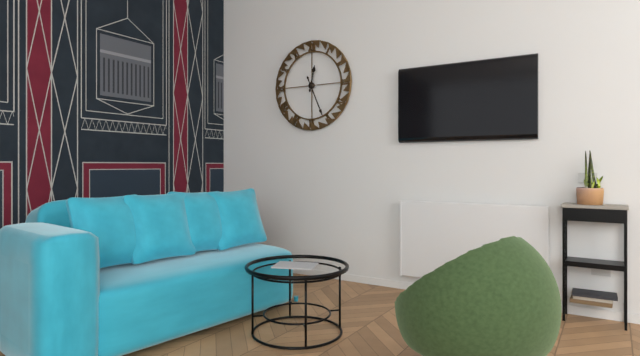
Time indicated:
**12:26**
